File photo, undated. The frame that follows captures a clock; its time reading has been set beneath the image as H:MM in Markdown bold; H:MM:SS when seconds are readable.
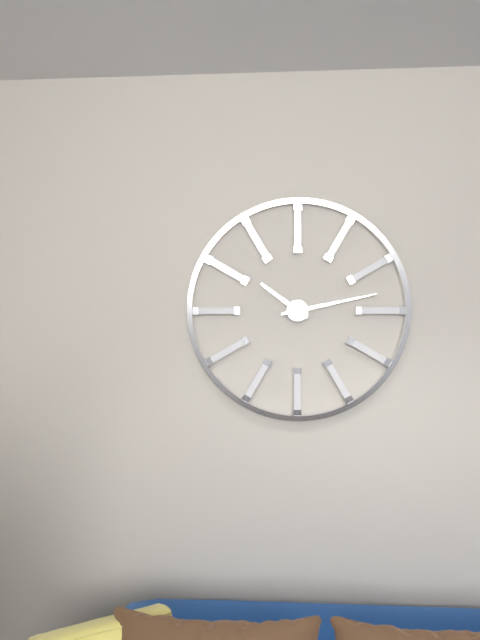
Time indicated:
**10:13**
